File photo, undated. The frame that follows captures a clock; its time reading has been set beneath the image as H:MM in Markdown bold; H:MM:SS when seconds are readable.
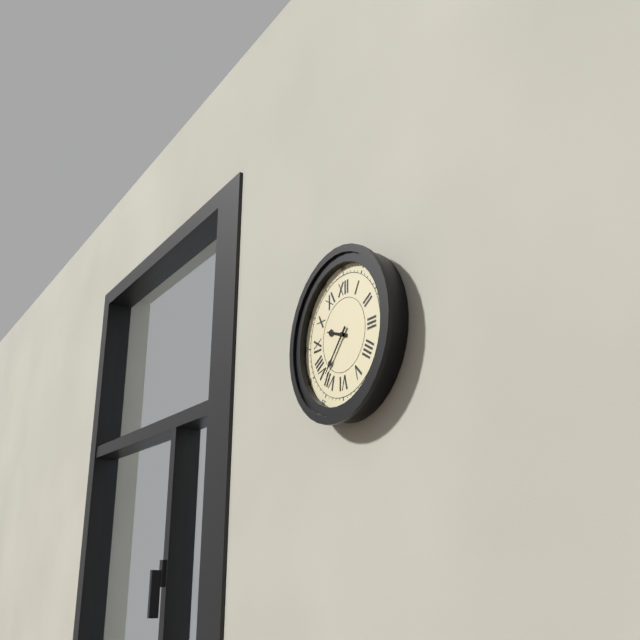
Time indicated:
**9:37**
